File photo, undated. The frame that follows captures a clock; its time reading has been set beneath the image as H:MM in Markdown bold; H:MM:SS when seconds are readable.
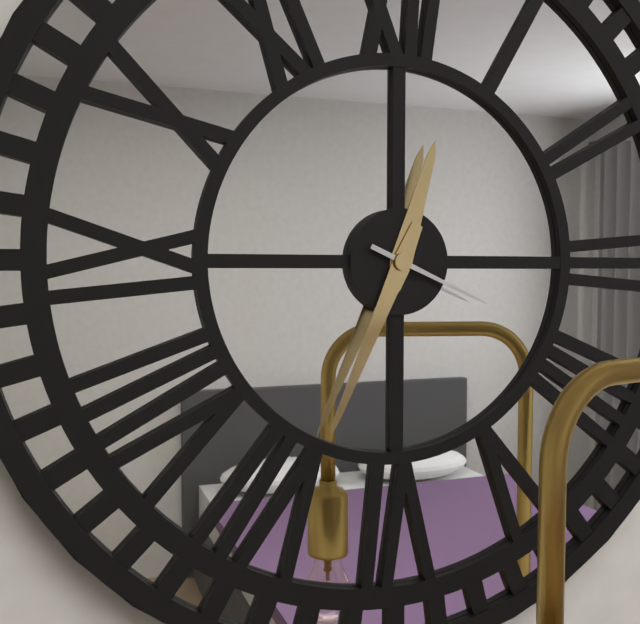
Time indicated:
**12:34:19**
